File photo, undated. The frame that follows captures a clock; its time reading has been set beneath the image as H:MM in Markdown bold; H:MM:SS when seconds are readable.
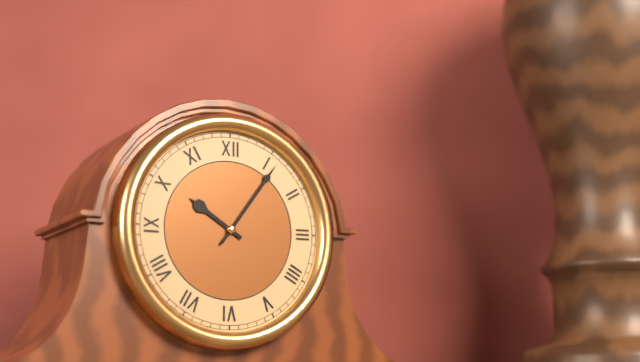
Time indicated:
**10:06**
